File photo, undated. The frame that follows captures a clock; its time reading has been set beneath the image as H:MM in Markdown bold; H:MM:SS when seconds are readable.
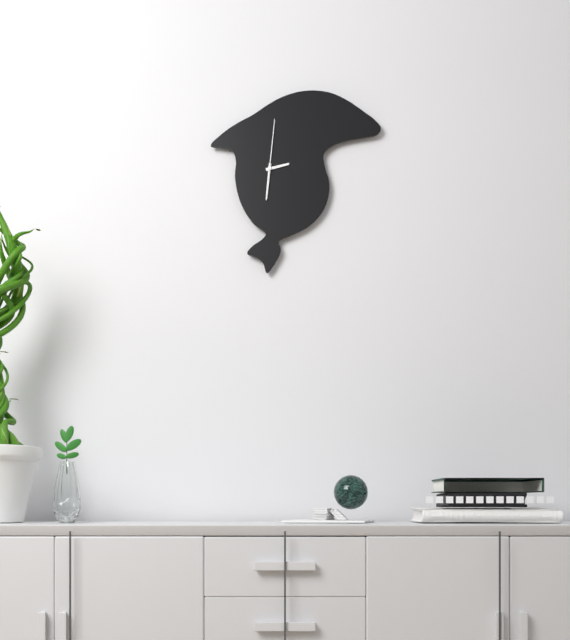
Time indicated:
**2:31:01**
